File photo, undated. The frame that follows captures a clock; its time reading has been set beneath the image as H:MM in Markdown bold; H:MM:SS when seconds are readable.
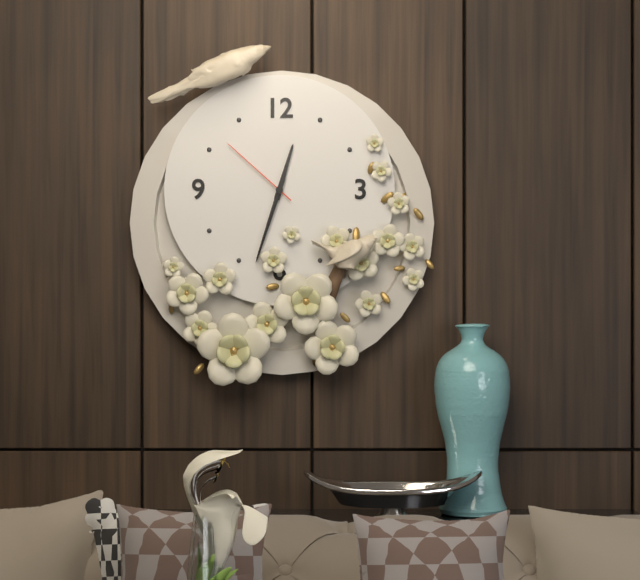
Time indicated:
**12:33:52**
